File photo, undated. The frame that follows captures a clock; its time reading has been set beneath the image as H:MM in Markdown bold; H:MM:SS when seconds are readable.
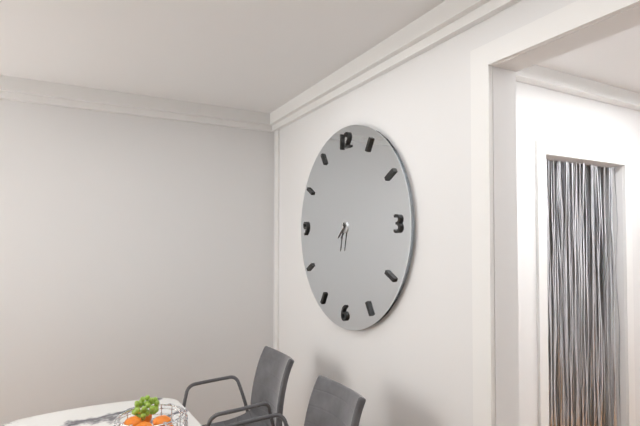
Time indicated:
**7:32**
